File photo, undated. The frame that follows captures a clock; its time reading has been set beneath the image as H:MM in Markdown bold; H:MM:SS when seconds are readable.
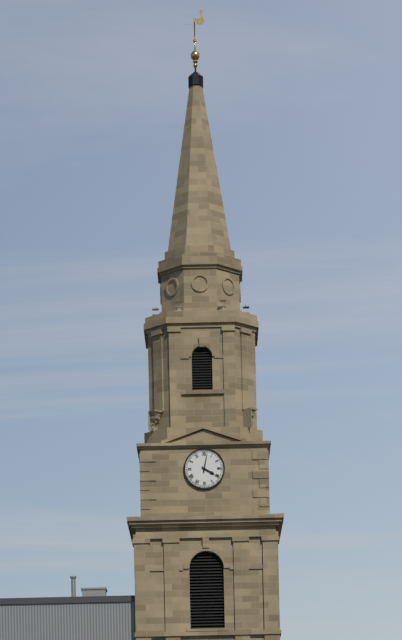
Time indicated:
**4:02**
